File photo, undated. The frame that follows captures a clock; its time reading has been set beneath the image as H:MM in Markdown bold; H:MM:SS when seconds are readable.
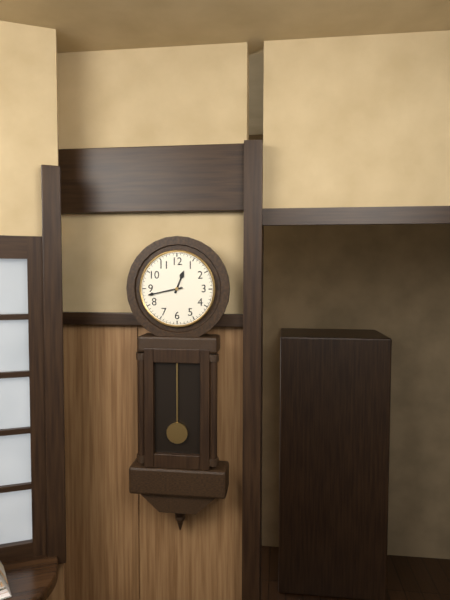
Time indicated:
**12:43**
